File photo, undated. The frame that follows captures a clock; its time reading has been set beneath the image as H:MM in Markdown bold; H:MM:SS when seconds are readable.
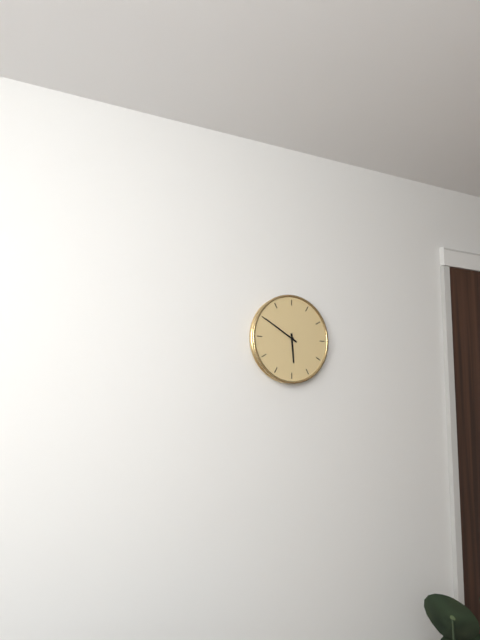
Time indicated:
**5:50**
